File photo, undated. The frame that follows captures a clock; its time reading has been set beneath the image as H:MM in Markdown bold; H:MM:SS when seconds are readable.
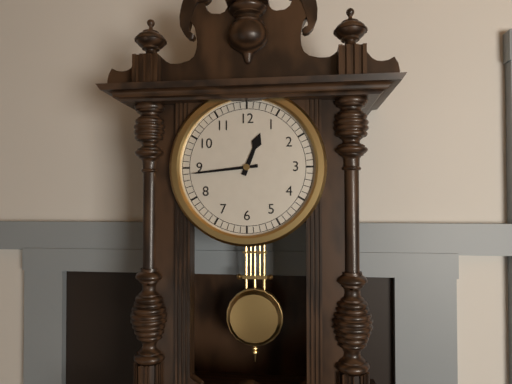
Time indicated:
**12:44**
